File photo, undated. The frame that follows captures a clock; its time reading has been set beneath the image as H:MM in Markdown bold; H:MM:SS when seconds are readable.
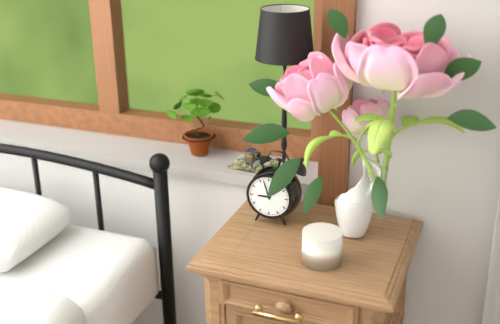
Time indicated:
**8:57**
